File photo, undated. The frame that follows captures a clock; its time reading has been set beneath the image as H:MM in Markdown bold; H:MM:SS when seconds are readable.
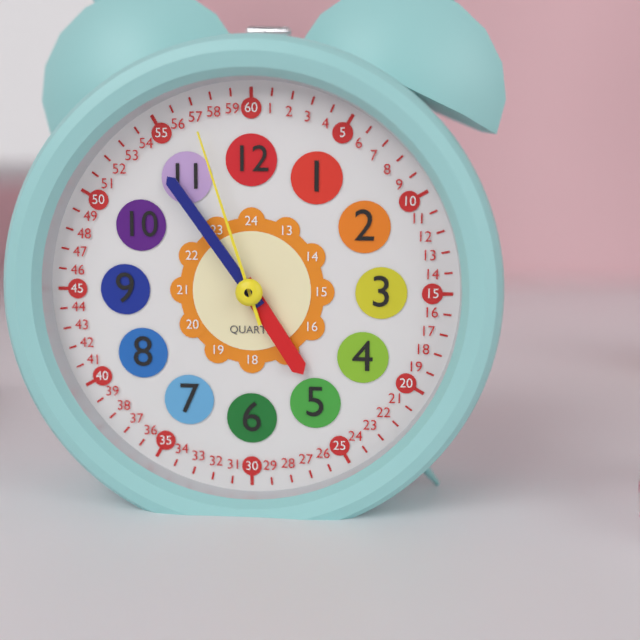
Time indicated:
**4:54:57**
